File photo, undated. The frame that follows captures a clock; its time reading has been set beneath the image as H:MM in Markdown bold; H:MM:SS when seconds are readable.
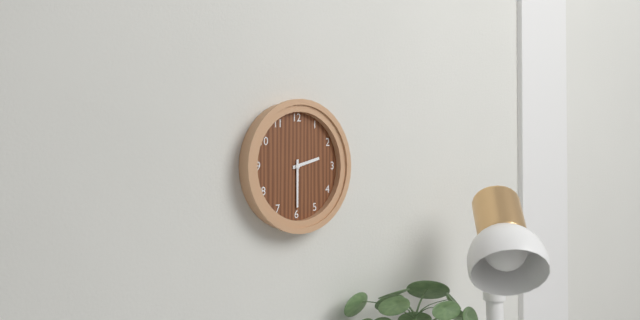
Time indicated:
**2:30**
